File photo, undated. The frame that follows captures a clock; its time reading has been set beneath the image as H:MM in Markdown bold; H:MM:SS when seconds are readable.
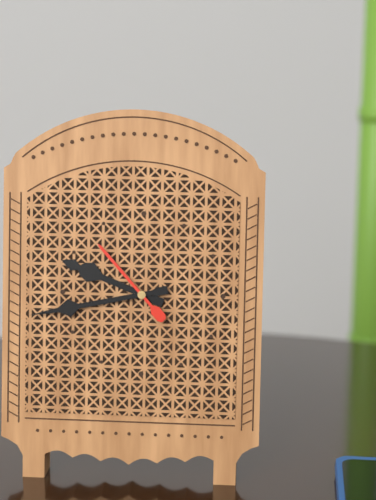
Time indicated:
**9:43:53**
